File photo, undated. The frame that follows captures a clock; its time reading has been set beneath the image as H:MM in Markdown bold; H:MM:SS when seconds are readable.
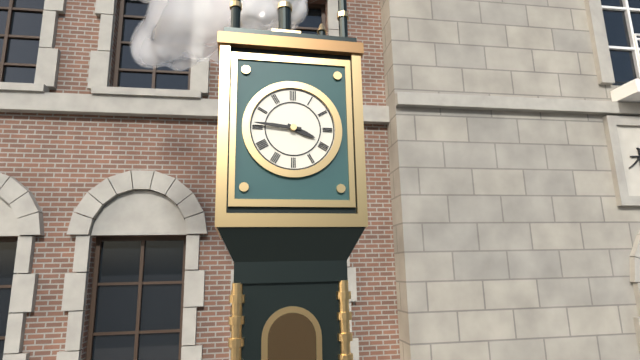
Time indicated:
**3:46**
